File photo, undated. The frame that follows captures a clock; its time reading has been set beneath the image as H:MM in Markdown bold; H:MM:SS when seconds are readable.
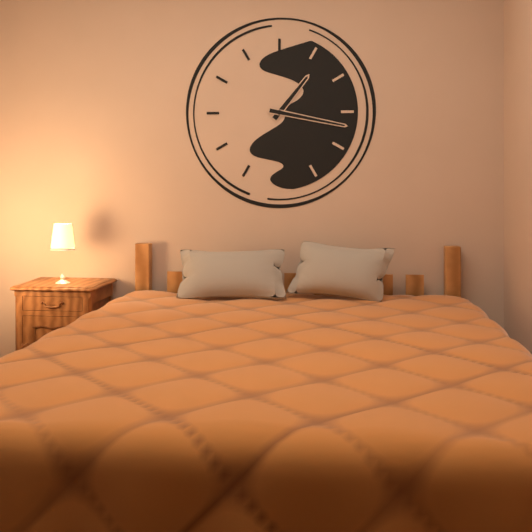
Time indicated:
**1:17**
